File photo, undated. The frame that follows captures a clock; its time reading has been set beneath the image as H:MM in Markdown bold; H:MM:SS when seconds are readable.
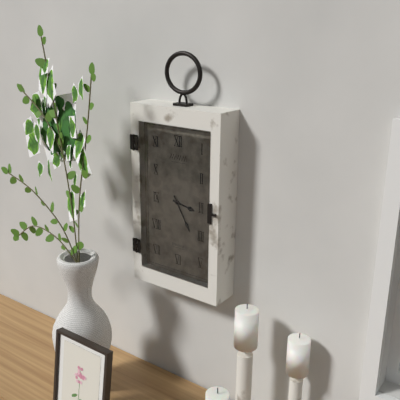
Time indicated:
**3:25**
